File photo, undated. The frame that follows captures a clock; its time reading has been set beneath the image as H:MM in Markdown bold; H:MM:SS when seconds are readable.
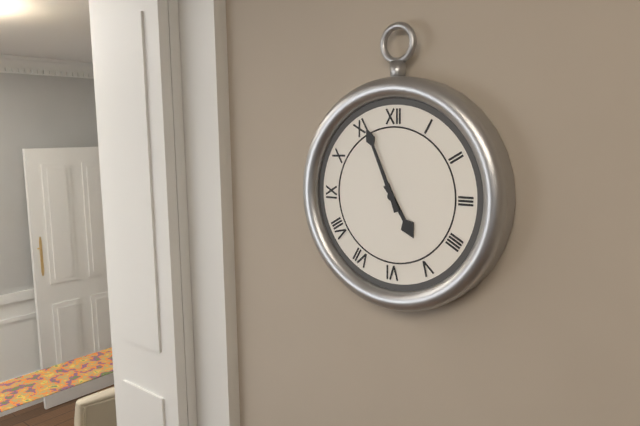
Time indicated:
**4:56**
